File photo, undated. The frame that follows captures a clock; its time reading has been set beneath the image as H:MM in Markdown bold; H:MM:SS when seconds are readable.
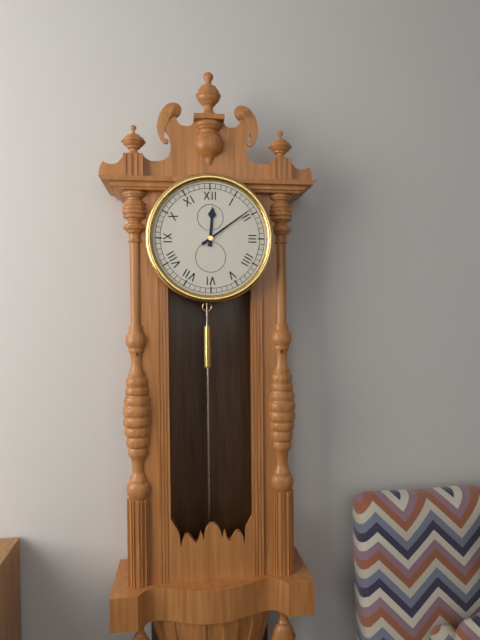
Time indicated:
**12:09**
